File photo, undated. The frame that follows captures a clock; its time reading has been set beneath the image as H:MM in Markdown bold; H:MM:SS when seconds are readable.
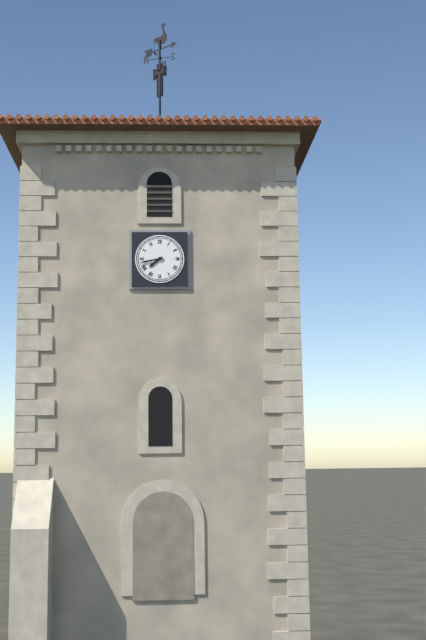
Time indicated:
**7:43**
